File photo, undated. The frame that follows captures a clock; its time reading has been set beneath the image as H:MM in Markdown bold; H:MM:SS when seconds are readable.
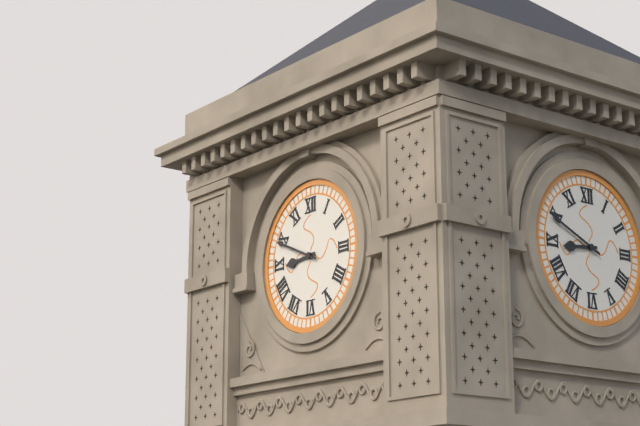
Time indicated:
**8:49**
